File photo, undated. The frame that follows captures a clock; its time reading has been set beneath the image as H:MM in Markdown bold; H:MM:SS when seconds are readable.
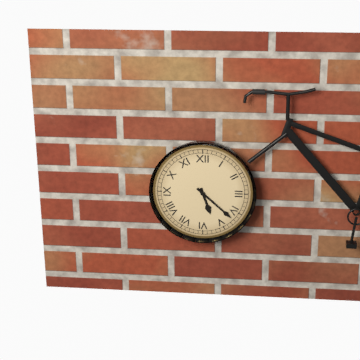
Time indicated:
**5:22**
